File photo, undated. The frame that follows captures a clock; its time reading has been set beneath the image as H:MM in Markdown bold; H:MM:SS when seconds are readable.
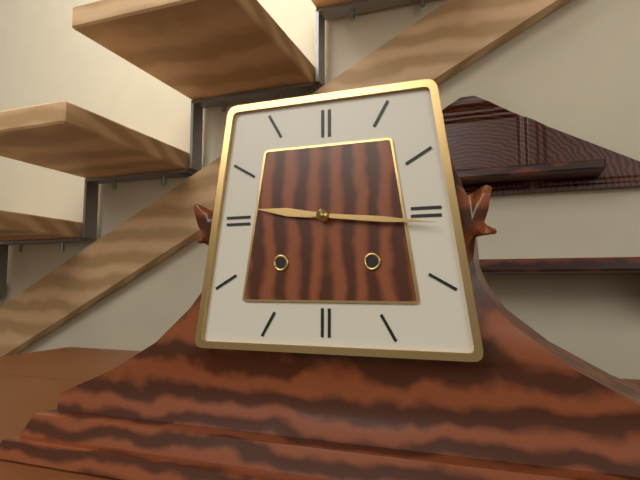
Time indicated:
**9:16**
